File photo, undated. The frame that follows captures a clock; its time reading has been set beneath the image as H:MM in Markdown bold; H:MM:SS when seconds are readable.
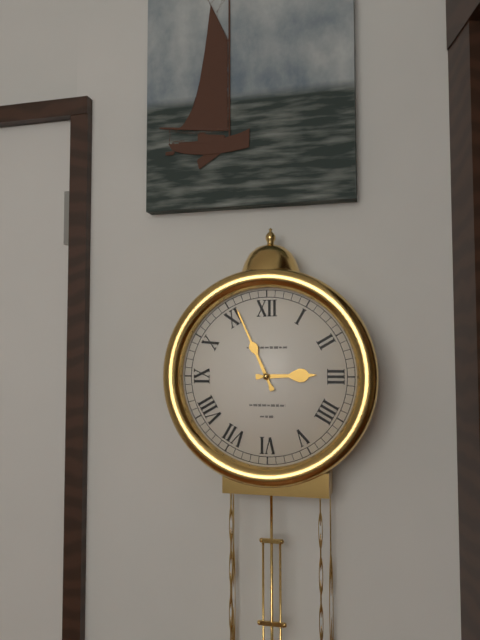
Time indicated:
**2:56**
